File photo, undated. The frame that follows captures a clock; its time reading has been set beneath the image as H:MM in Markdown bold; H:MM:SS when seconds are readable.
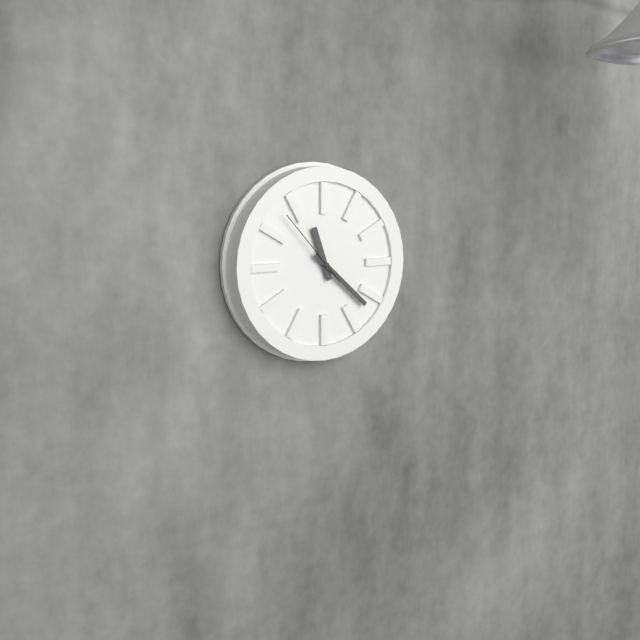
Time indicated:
**11:22:53**
